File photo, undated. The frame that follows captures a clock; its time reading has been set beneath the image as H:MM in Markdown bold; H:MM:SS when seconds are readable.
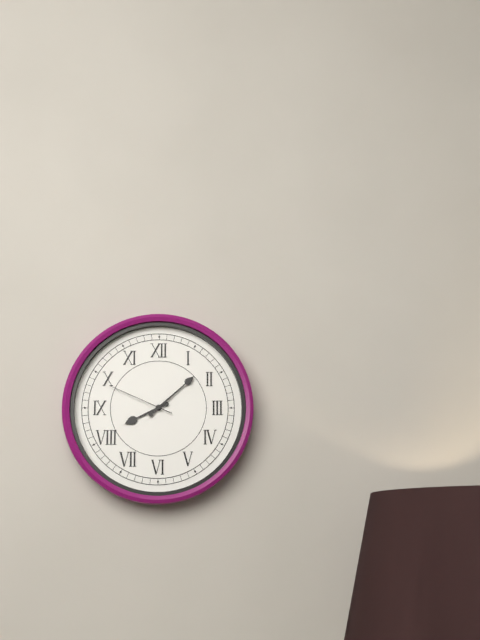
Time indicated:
**8:08:49**
